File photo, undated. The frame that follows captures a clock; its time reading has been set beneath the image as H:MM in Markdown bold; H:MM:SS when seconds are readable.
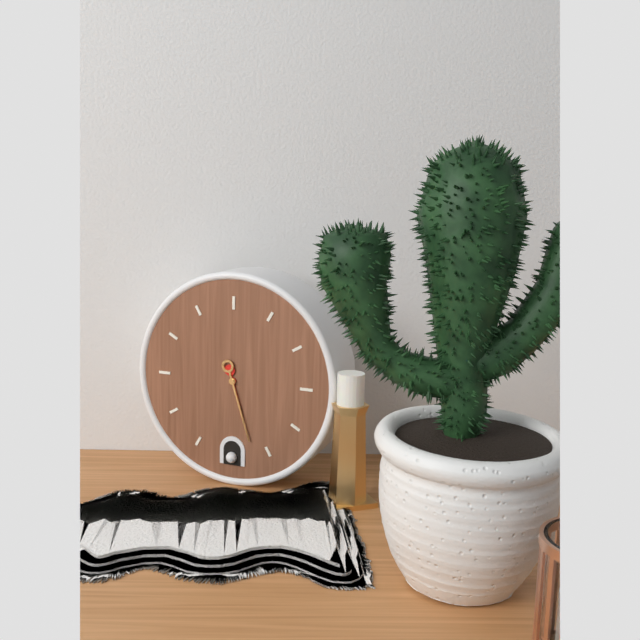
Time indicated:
**5:27**
